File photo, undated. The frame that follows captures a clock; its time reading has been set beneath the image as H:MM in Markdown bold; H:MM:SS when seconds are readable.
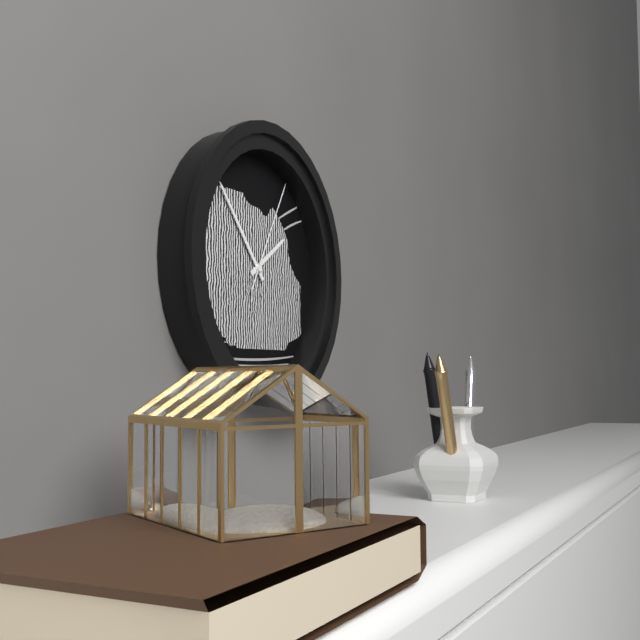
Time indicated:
**1:53:05**
